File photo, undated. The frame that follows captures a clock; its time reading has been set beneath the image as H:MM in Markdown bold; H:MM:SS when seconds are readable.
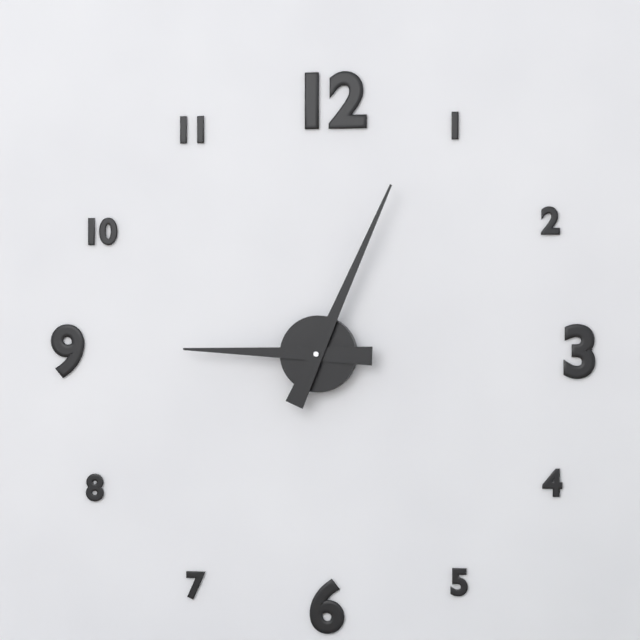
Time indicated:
**9:04**
